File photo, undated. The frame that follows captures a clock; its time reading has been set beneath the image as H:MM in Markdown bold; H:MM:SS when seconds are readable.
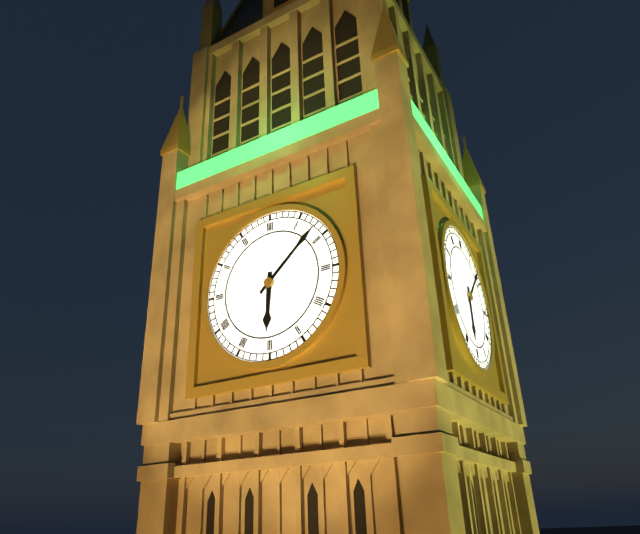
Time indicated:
**6:08**
